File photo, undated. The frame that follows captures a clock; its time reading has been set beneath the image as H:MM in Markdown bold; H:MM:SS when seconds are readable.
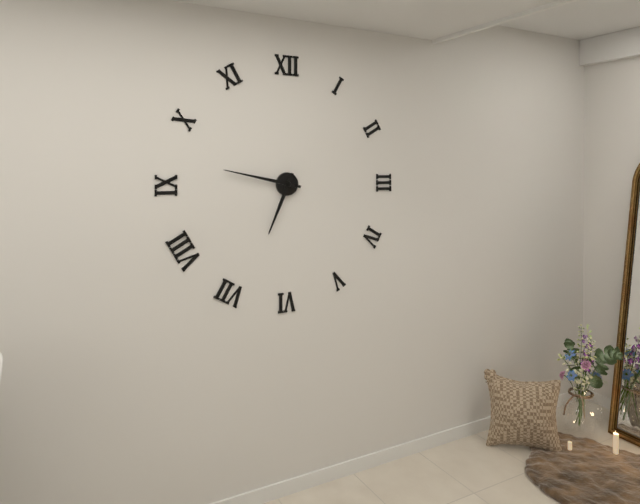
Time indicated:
**6:47**
